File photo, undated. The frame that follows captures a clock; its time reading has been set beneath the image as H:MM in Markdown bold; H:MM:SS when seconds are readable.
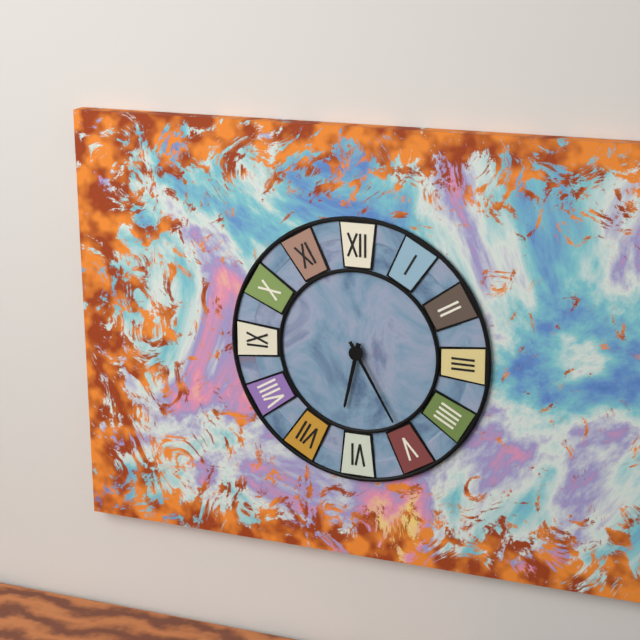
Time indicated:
**6:25**
